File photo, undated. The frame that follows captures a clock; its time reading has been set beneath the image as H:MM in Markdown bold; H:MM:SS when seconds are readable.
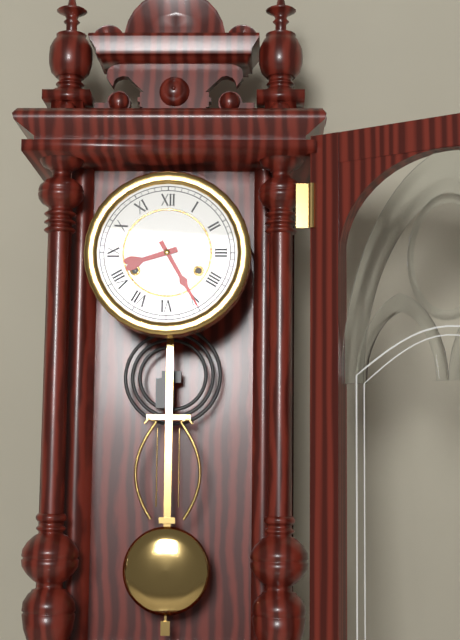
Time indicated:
**8:25**
